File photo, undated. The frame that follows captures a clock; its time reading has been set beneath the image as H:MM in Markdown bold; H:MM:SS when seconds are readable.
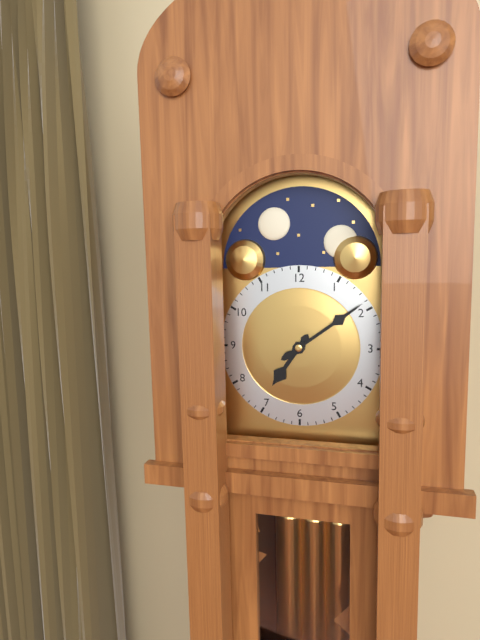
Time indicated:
**7:09**
